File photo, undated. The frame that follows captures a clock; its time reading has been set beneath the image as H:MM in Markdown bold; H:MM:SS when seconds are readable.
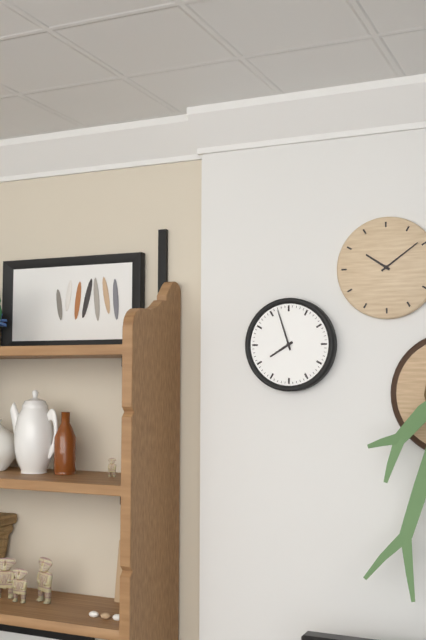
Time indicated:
**7:57**
